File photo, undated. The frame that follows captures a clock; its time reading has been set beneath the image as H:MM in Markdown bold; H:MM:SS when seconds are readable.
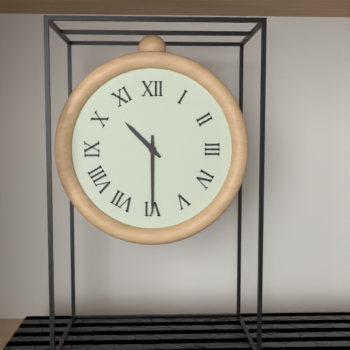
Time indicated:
**10:30**
